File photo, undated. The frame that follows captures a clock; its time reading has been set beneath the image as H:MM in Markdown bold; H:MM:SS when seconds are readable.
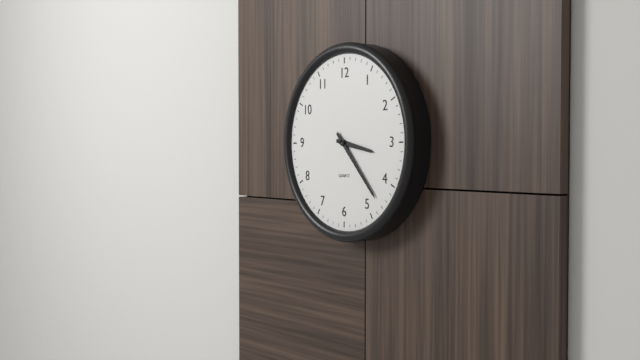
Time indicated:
**3:23**
